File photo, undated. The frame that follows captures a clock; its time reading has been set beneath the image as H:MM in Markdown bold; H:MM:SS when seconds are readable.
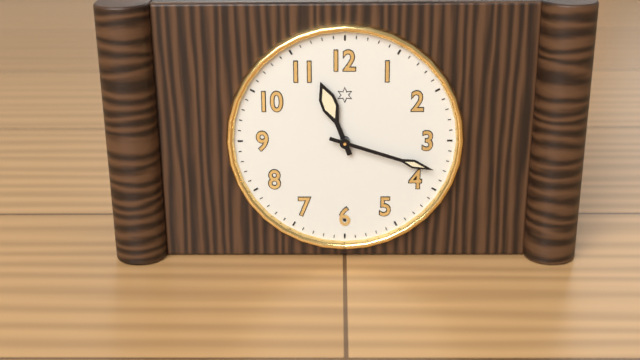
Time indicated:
**11:18**
